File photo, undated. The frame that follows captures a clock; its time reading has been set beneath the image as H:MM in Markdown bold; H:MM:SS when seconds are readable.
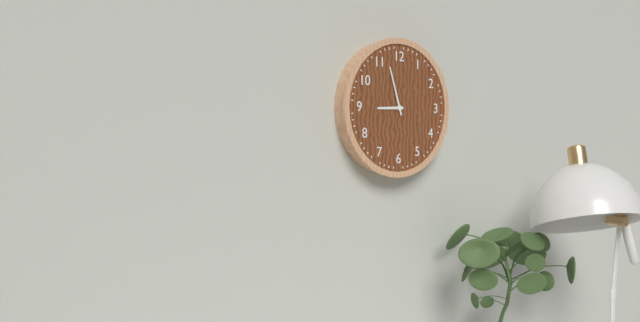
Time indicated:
**8:57**
